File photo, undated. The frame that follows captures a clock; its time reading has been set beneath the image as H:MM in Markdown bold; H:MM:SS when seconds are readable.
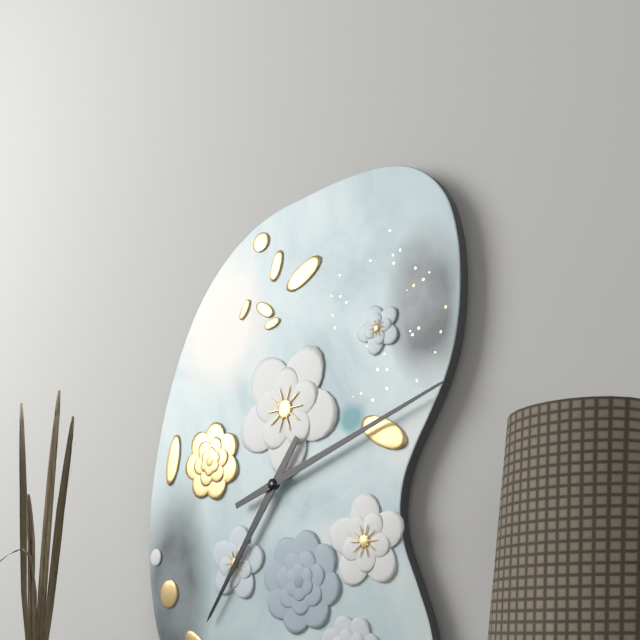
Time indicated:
**7:12**
